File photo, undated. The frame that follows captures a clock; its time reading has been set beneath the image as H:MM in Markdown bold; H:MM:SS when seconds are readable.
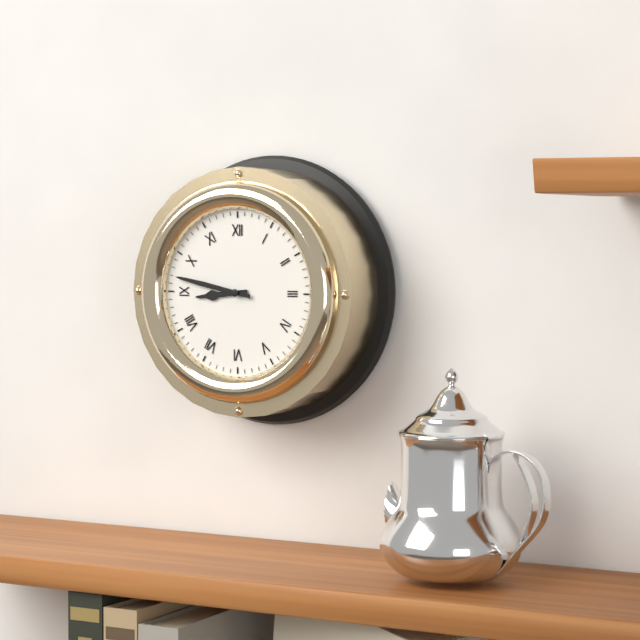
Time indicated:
**8:47**
